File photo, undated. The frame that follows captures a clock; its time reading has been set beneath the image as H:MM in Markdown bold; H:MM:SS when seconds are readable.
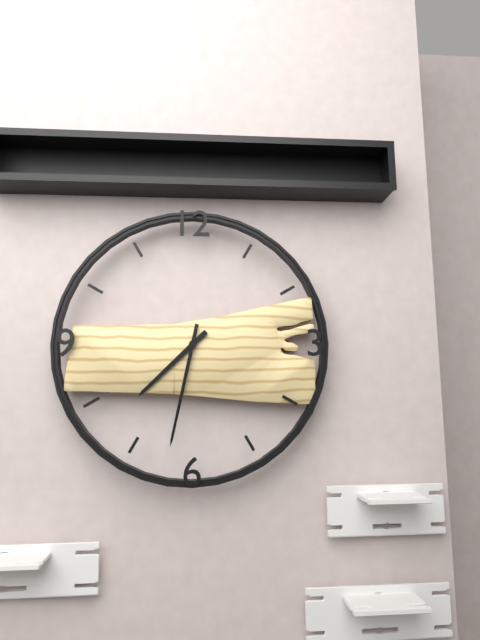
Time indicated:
**7:32**
